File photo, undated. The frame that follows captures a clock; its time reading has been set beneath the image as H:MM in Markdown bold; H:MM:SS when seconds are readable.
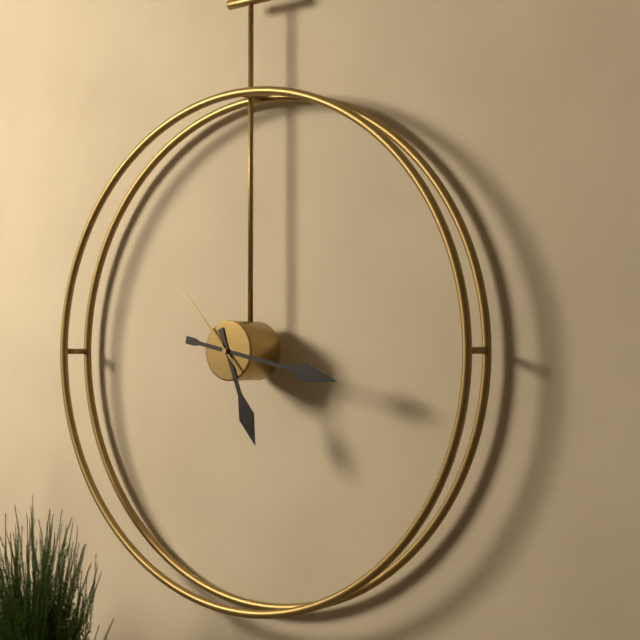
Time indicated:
**5:17:53**
